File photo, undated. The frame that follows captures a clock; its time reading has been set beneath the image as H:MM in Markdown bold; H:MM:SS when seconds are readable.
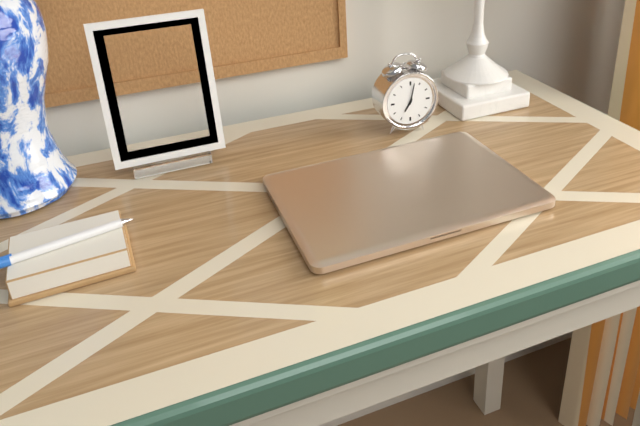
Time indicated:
**7:02**
